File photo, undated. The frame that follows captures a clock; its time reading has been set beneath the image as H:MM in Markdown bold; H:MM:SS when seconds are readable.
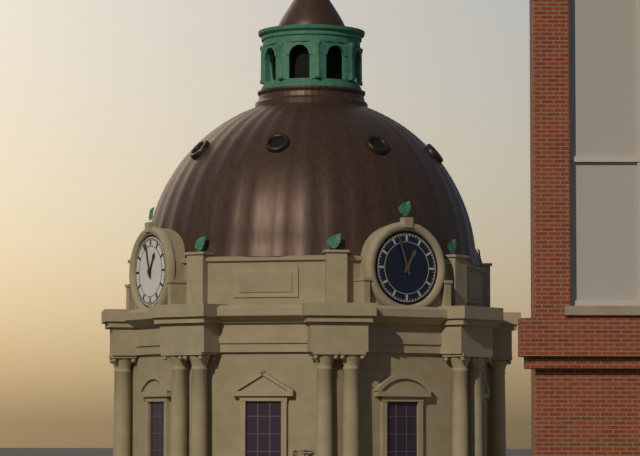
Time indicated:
**12:57**
